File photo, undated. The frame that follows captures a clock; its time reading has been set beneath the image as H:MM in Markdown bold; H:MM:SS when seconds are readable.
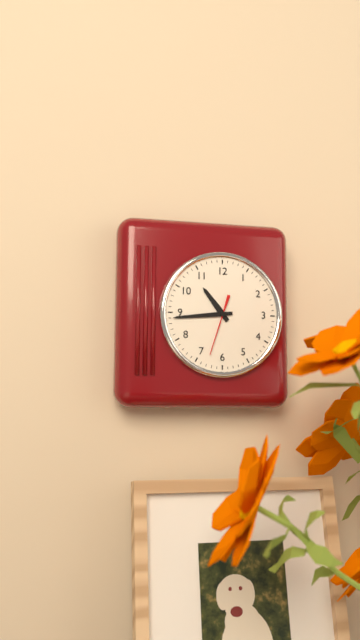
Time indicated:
**10:44:33**
